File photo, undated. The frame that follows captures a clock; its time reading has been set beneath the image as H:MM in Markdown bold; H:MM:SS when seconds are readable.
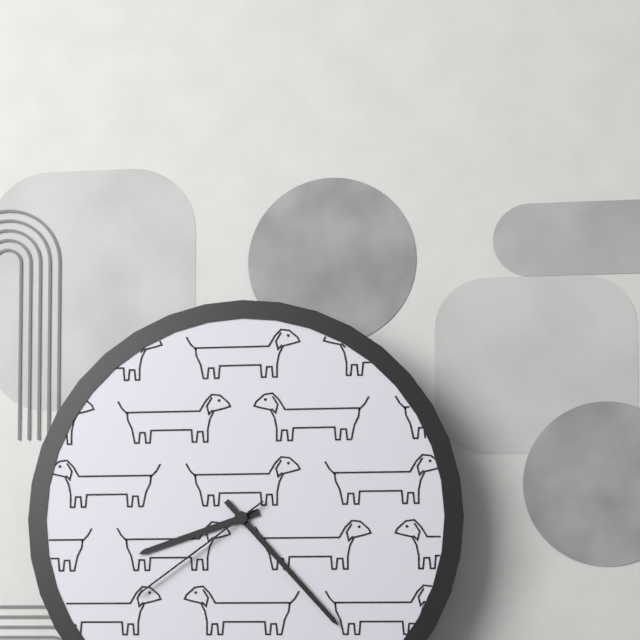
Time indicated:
**8:23:39**
